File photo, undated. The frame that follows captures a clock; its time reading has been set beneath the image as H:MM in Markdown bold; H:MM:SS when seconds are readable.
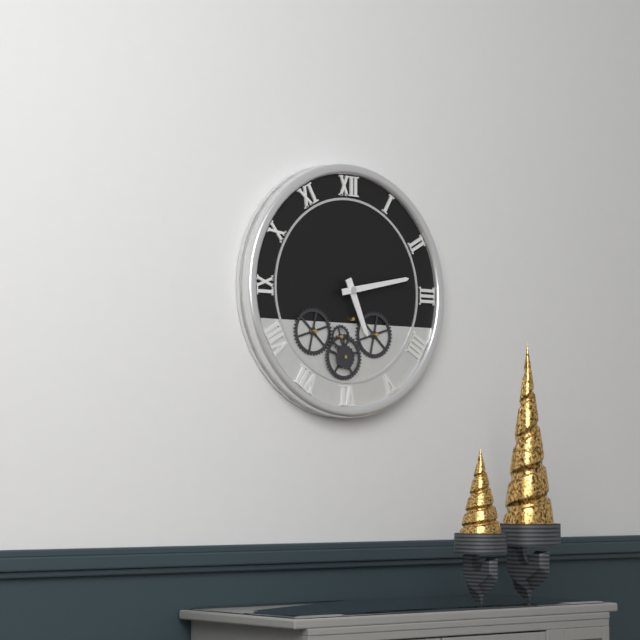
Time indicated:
**5:13**
